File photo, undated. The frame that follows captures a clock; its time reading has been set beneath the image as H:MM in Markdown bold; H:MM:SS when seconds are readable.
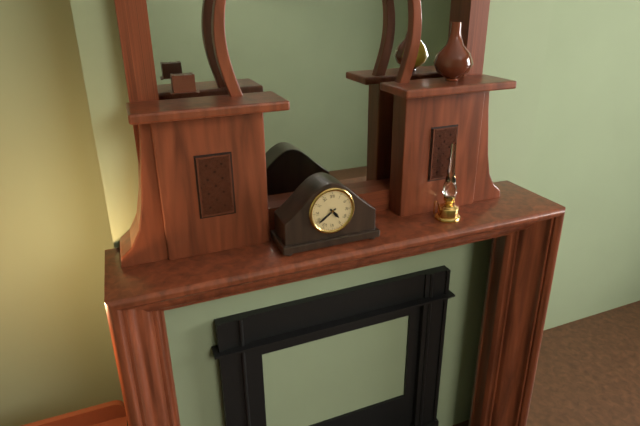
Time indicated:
**4:39**
